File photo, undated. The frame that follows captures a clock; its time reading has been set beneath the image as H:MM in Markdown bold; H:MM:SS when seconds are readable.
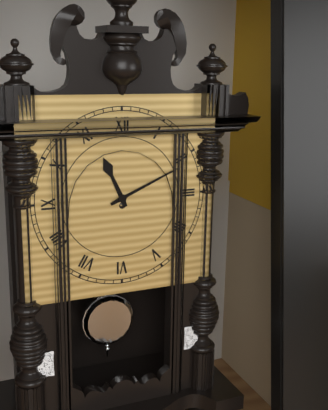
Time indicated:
**11:11**
